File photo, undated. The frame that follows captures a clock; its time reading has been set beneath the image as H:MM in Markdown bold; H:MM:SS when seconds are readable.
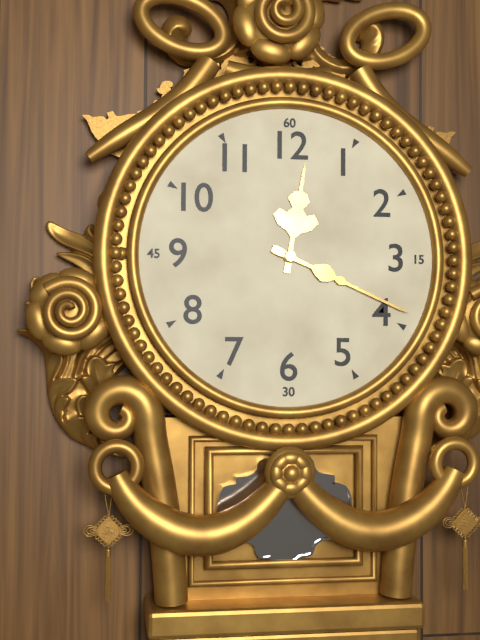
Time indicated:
**12:19**
